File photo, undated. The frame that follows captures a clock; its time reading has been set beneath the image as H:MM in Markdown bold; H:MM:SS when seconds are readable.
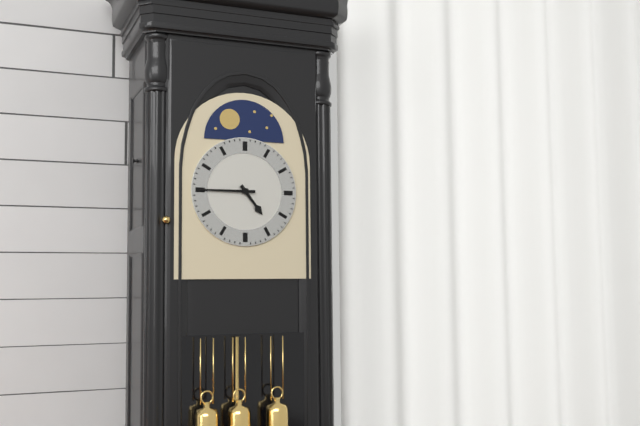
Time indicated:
**4:45**
